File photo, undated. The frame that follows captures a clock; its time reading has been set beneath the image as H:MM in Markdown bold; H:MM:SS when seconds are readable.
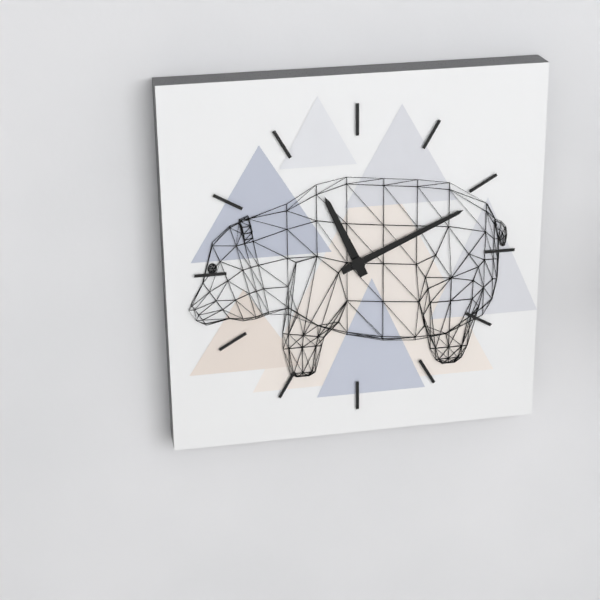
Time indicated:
**11:11**
